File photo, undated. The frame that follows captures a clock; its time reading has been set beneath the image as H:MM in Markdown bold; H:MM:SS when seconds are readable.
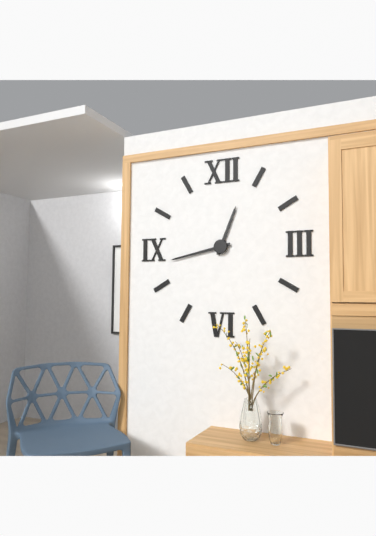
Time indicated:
**12:43**
